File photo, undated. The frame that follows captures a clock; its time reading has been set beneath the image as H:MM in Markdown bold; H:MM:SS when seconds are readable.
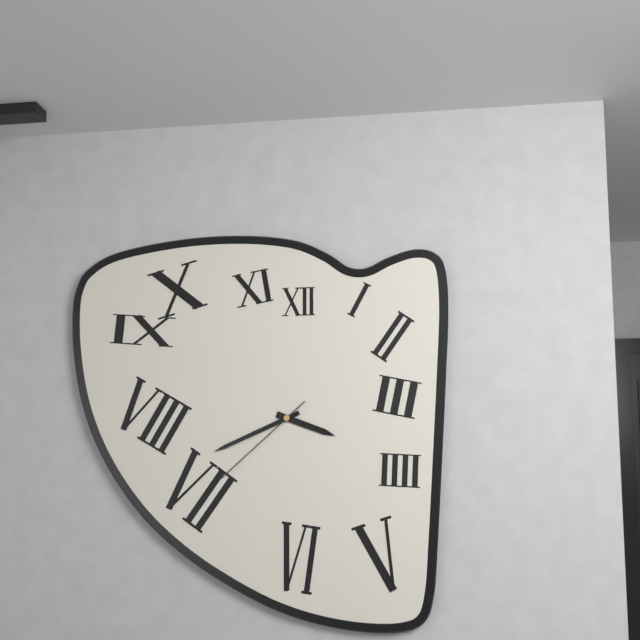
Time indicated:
**3:41:38**
